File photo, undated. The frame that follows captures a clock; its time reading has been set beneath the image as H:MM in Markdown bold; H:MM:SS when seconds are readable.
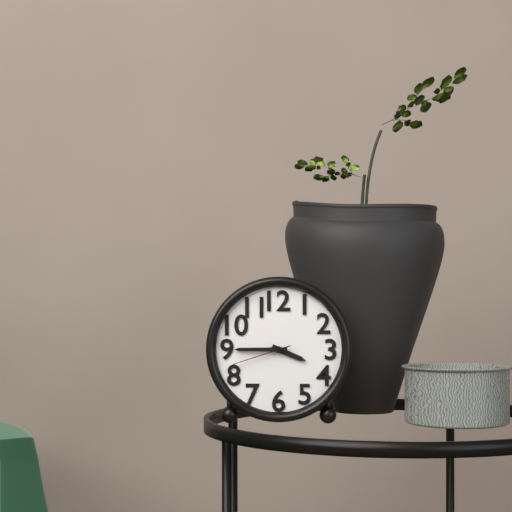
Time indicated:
**3:45:42**
